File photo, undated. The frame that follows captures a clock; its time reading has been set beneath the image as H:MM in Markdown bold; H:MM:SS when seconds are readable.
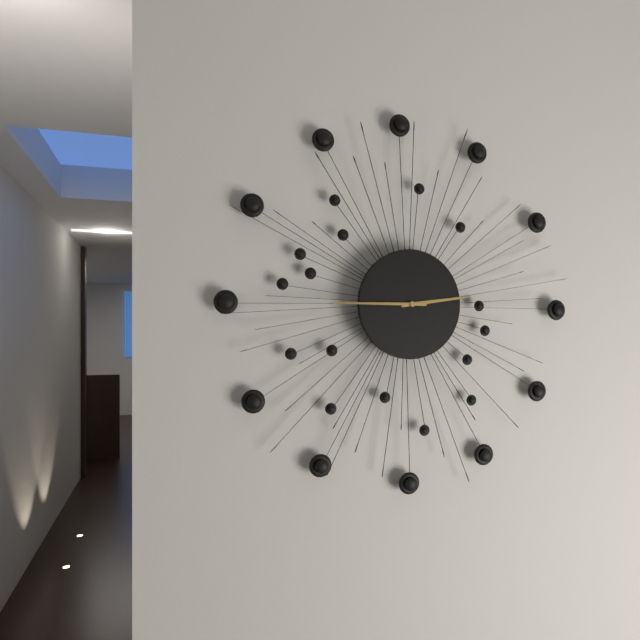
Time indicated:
**2:45**
